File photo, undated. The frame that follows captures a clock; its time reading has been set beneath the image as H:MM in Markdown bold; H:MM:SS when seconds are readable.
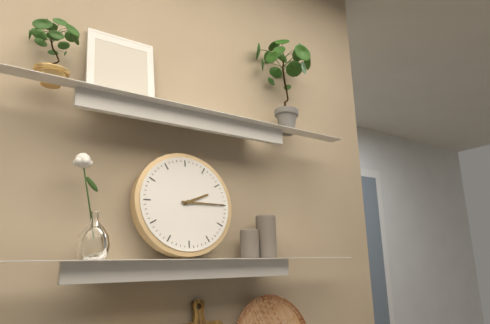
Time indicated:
**2:15**
